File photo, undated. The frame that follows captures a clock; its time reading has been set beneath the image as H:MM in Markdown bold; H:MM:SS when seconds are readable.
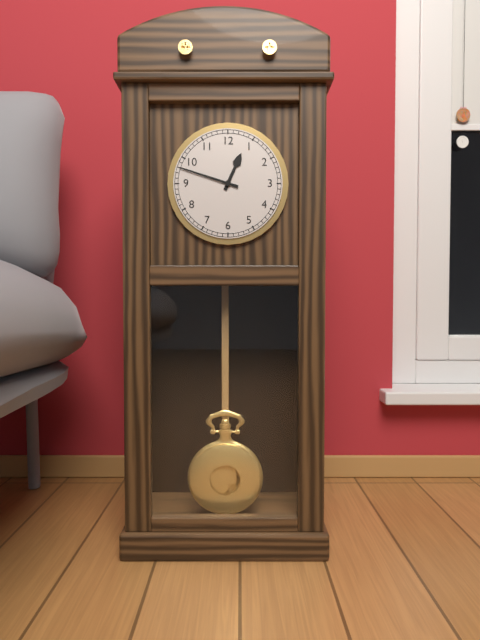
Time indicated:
**12:48**
